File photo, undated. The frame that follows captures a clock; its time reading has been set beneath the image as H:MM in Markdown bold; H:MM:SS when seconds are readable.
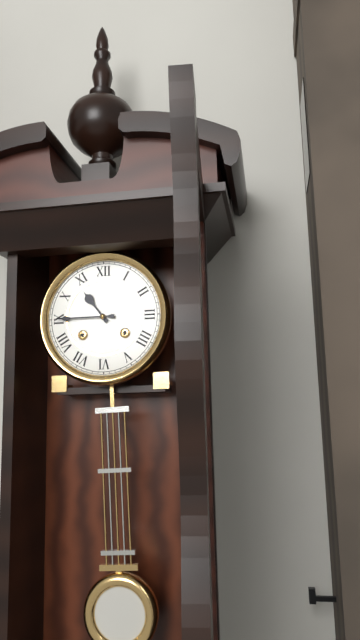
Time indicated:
**10:45**
